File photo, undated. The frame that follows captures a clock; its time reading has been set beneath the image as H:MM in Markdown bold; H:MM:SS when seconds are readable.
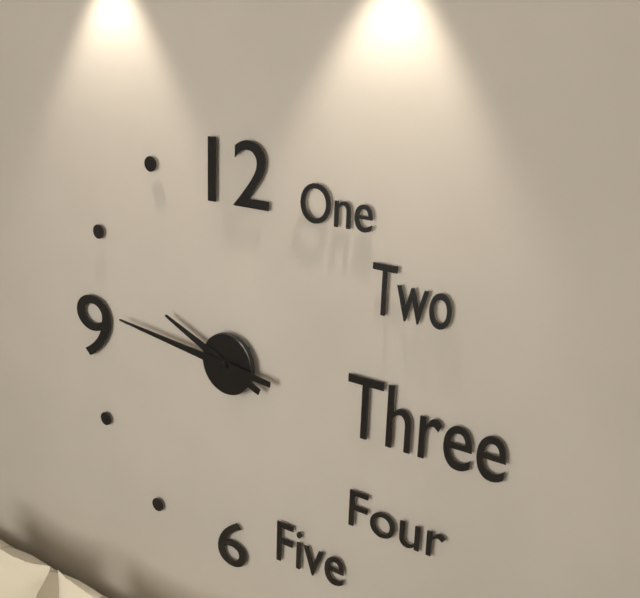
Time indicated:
**9:46**
